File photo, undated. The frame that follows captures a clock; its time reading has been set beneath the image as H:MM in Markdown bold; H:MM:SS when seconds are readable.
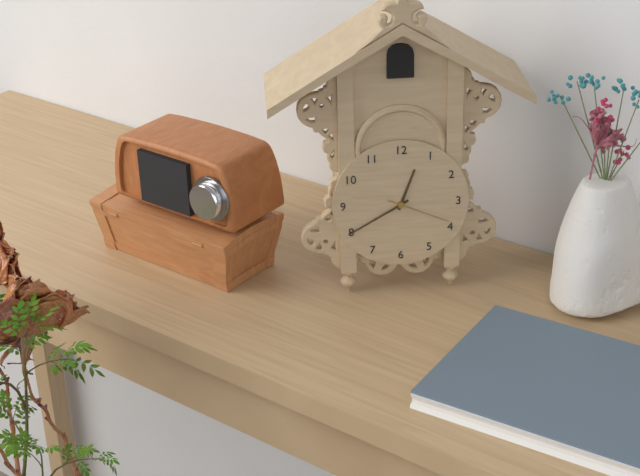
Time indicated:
**12:40:19**
